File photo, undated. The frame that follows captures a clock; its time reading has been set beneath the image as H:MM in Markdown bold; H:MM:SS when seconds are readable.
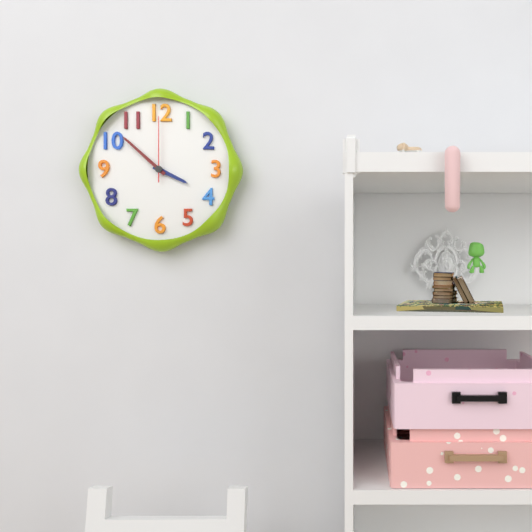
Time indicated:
**3:52:00**
